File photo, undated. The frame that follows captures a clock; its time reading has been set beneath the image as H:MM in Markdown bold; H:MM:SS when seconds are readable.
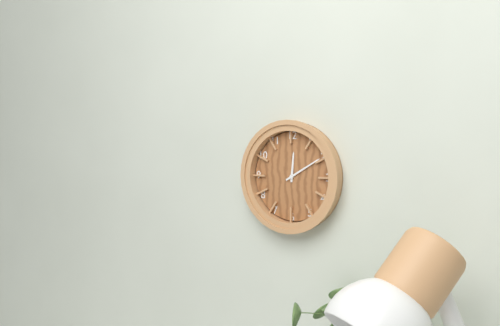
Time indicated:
**12:10**
